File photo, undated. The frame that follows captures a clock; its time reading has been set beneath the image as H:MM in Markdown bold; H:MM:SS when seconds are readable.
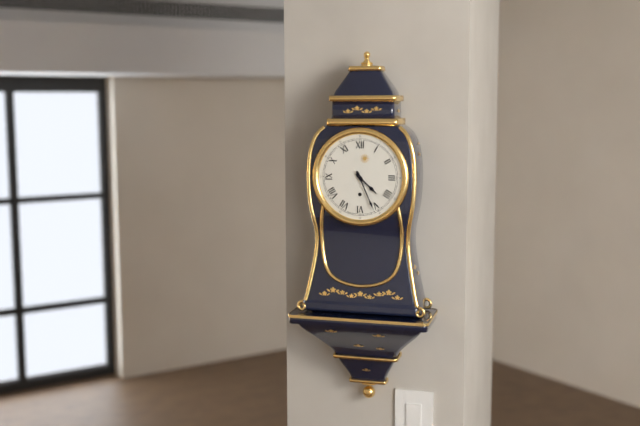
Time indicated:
**4:26**
